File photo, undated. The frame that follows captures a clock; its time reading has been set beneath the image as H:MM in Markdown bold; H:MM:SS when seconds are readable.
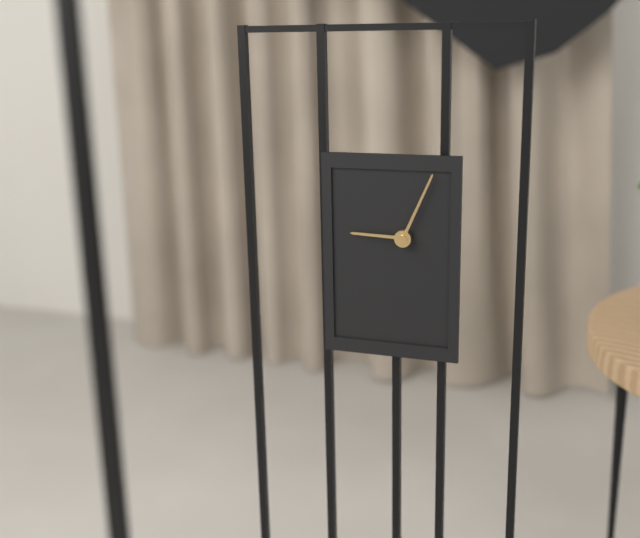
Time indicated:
**9:04**
